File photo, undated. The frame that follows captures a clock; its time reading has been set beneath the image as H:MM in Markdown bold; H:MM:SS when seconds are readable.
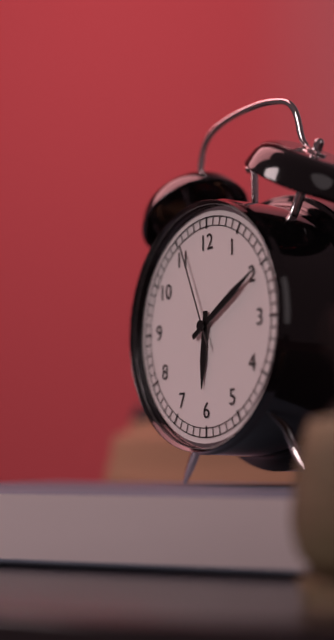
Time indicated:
**6:10:56**
